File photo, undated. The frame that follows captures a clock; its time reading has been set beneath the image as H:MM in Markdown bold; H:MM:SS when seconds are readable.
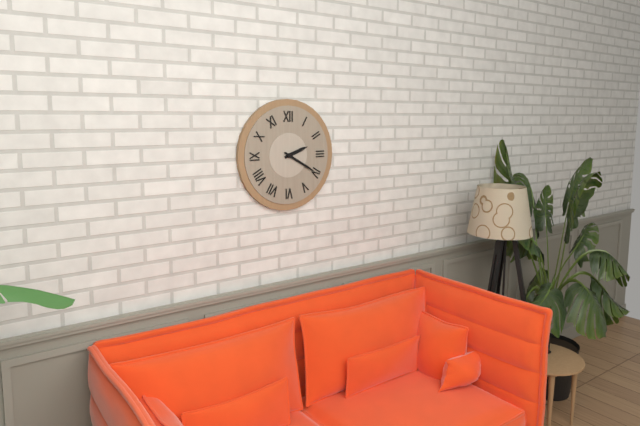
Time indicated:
**2:20**
